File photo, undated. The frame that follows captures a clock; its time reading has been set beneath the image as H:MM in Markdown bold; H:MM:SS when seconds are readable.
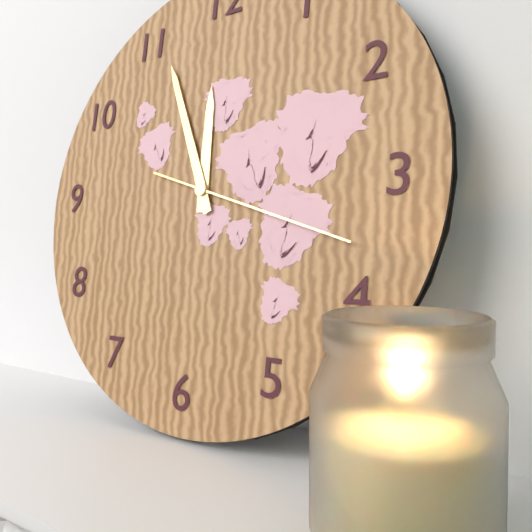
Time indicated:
**11:56:18**
